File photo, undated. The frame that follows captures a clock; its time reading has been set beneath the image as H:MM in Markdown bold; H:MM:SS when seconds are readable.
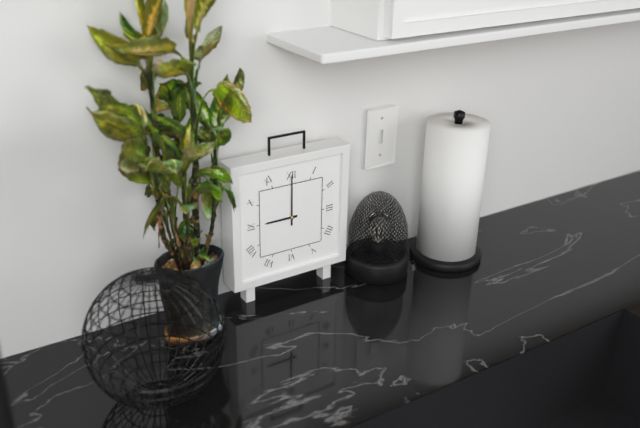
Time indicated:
**9:00**
